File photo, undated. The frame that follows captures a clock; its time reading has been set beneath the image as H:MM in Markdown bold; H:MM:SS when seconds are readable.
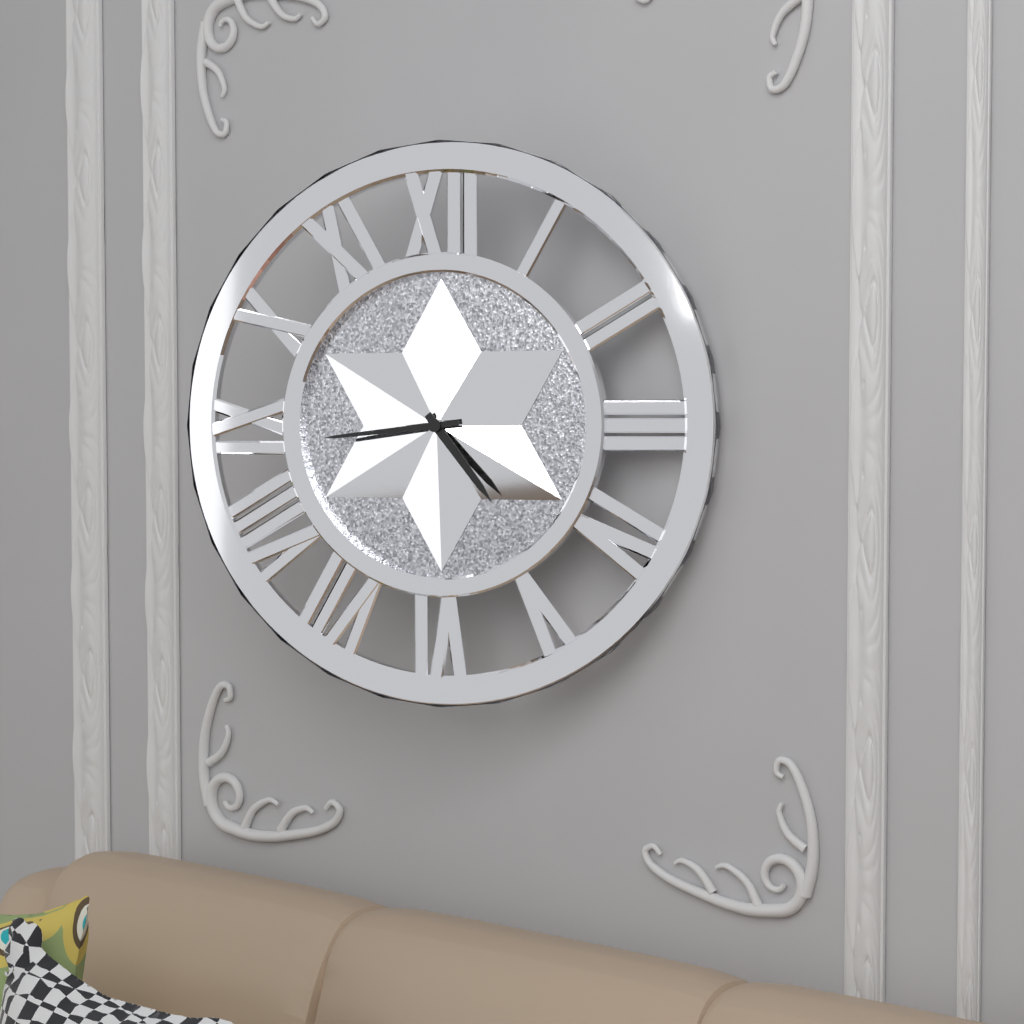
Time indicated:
**4:44**
